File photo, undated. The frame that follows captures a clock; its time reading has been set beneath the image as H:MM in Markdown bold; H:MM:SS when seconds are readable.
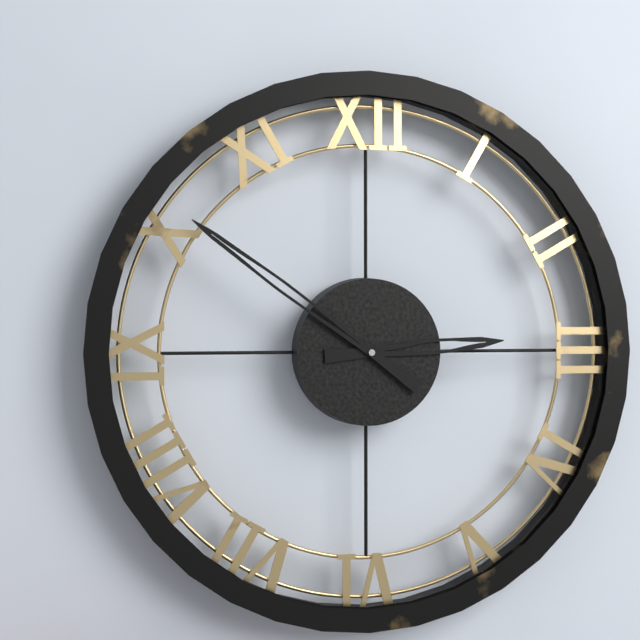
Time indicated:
**2:51**
